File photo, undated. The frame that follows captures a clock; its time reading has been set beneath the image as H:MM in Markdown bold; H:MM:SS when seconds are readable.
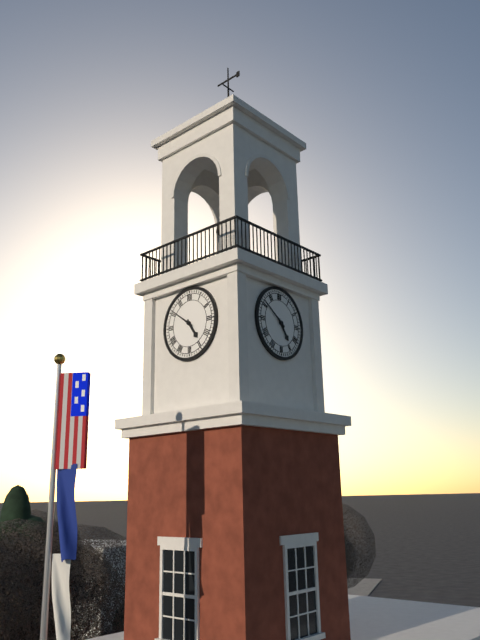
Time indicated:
**4:51**
